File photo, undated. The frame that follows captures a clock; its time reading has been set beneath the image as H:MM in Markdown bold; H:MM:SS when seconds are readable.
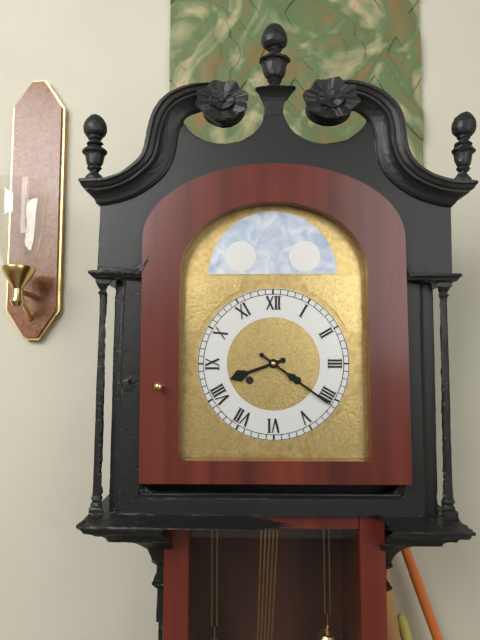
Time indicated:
**8:21**
